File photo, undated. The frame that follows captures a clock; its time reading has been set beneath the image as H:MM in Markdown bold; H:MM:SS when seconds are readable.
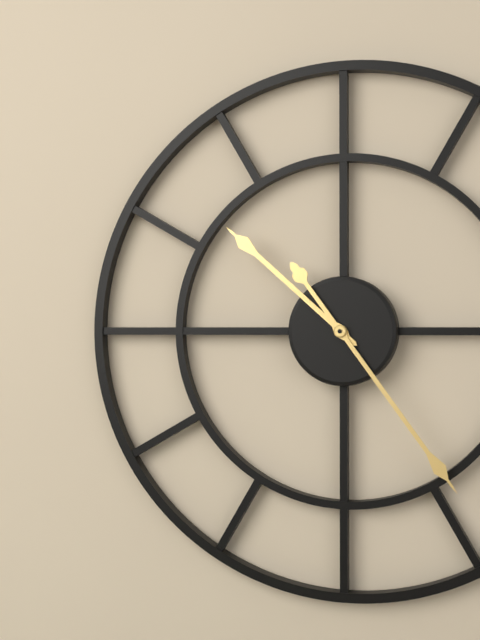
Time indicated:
**10:24**
